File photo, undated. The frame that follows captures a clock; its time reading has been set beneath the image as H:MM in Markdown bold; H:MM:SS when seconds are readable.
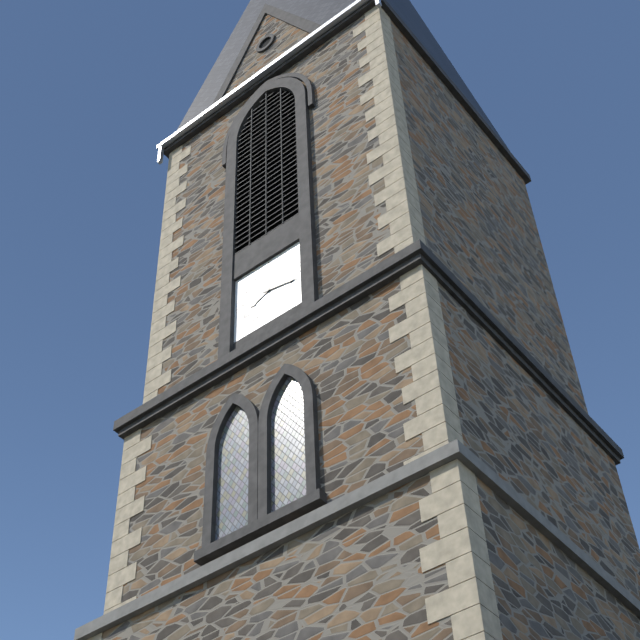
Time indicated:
**8:17**
